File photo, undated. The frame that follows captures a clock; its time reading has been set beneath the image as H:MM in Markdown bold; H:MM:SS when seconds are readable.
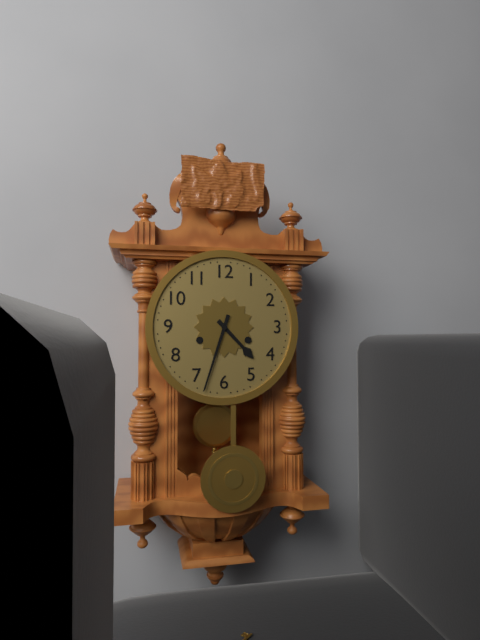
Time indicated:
**4:33**
